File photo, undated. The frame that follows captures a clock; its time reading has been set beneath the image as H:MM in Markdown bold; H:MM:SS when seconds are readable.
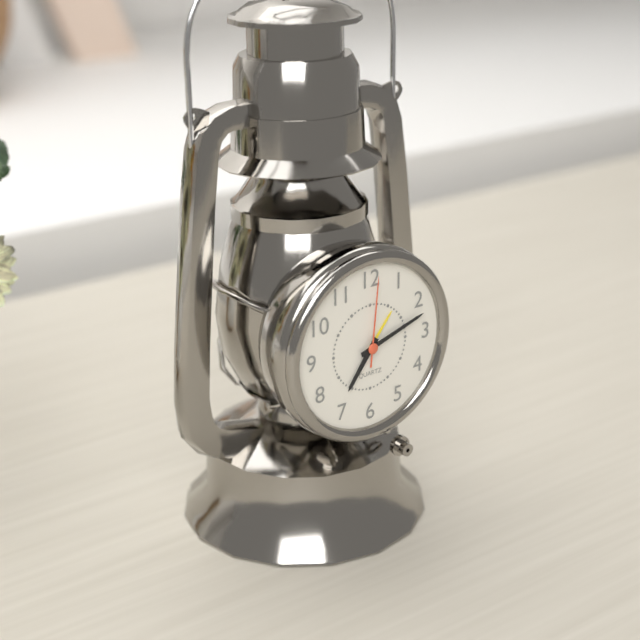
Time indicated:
**7:12:01**
